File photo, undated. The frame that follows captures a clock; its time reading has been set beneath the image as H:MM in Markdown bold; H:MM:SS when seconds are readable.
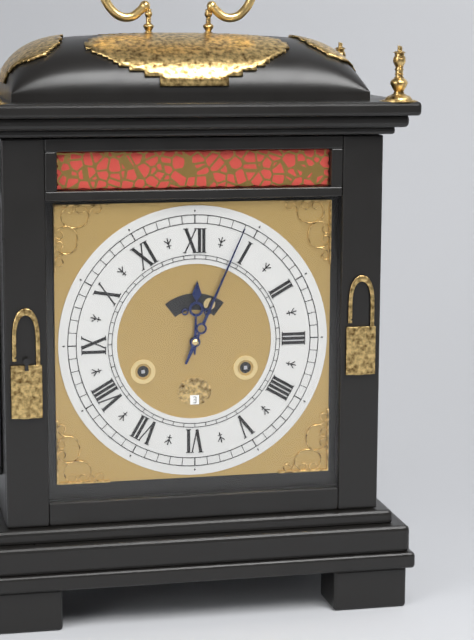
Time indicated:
**12:04**
